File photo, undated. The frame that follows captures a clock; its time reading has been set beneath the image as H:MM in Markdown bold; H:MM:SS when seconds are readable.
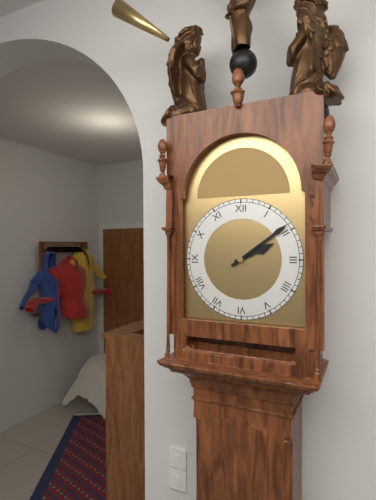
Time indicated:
**2:09**
